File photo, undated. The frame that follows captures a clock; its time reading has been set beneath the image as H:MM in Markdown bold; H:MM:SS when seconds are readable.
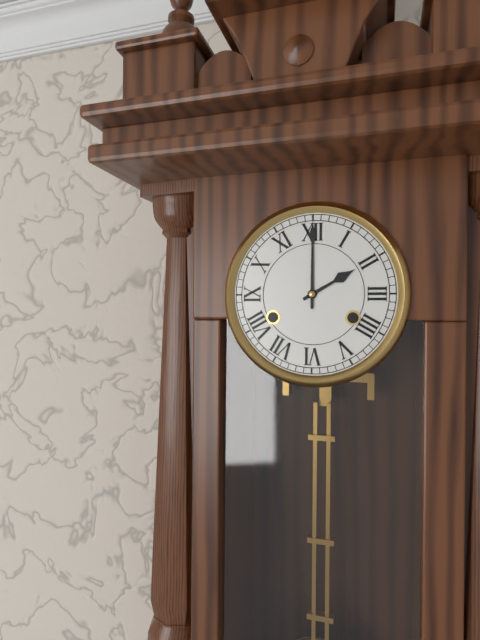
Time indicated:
**2:00**
